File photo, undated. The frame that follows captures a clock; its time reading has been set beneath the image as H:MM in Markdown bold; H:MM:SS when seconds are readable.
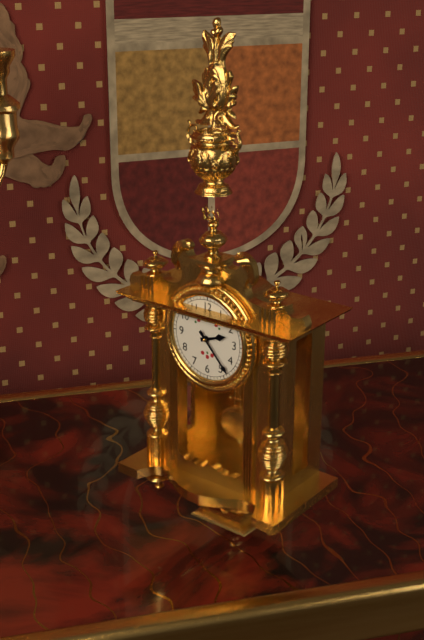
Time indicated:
**2:23**
